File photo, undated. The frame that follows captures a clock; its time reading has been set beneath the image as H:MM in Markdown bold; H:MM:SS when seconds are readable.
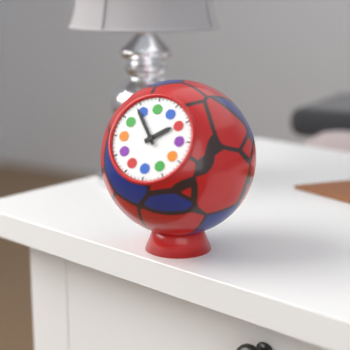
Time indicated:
**1:54**
